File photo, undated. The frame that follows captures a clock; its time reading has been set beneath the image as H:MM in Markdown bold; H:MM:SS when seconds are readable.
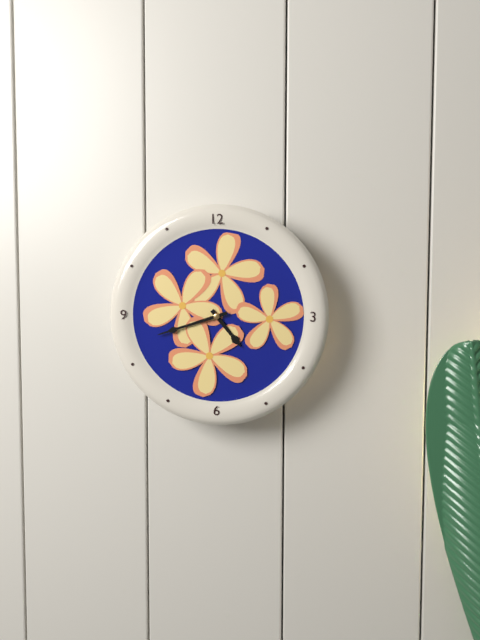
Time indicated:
**4:42**
